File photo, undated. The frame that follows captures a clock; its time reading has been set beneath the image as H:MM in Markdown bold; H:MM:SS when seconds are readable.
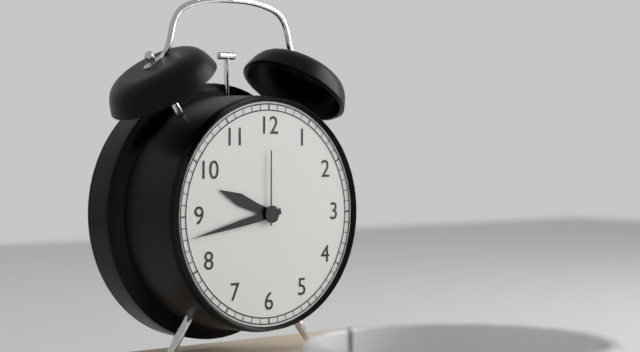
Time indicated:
**9:43:00**
